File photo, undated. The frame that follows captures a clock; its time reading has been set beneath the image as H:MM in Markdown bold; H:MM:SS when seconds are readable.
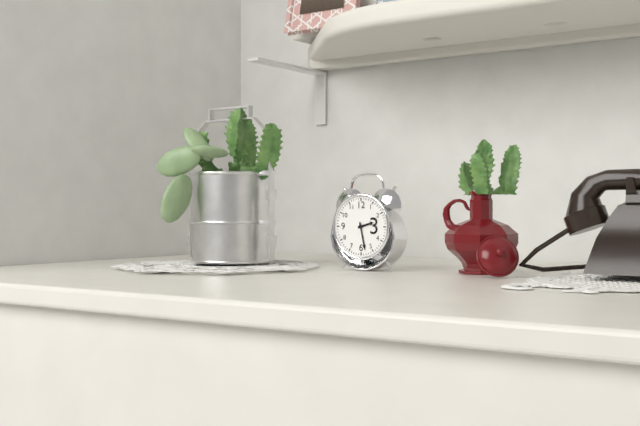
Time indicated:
**2:28**
